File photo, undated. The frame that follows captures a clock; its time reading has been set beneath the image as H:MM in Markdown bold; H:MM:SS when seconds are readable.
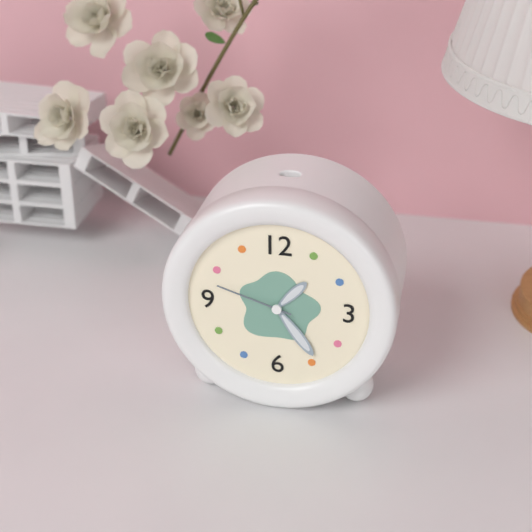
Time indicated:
**1:24:48**
